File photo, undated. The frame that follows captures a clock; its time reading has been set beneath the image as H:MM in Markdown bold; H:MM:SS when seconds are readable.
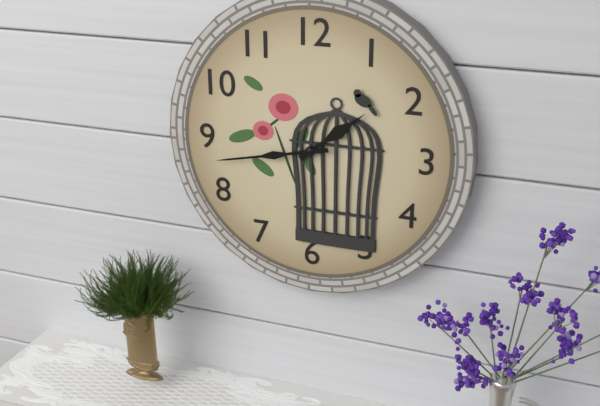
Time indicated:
**1:43**
